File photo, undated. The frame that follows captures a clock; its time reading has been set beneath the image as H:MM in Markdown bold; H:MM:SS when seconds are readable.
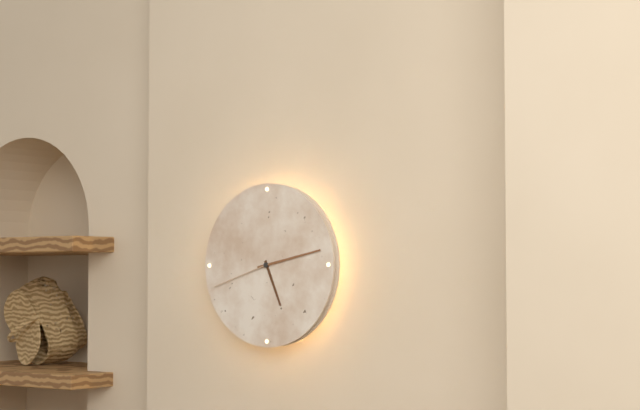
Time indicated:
**5:13:42**
